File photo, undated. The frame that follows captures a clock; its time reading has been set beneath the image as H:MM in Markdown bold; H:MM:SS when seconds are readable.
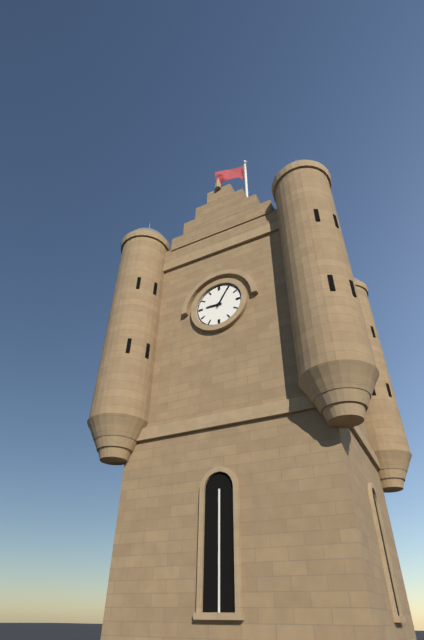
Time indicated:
**9:05**
